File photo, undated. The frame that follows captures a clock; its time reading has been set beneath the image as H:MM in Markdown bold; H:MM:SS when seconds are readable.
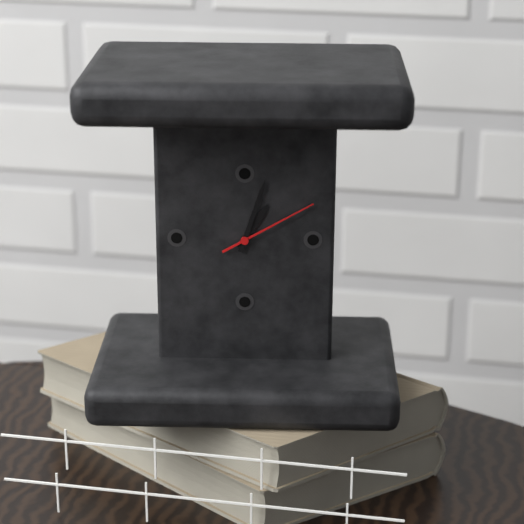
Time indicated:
**1:03:10**
